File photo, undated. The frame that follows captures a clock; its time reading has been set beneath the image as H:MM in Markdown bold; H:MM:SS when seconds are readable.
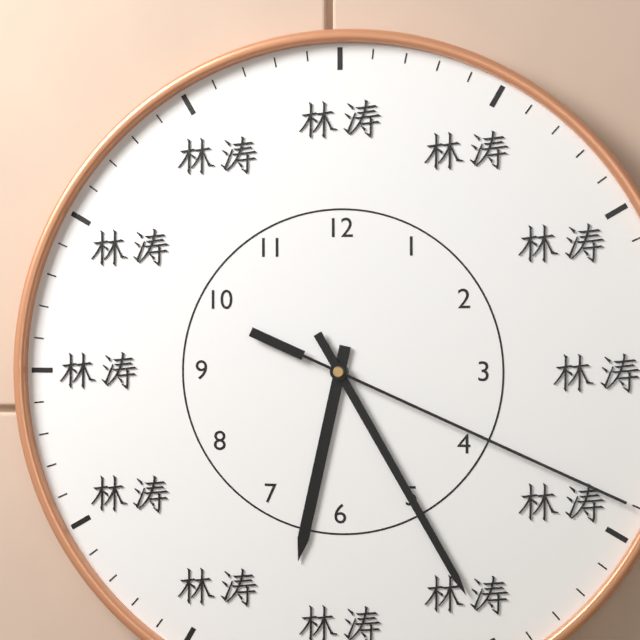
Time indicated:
**6:25:19**
